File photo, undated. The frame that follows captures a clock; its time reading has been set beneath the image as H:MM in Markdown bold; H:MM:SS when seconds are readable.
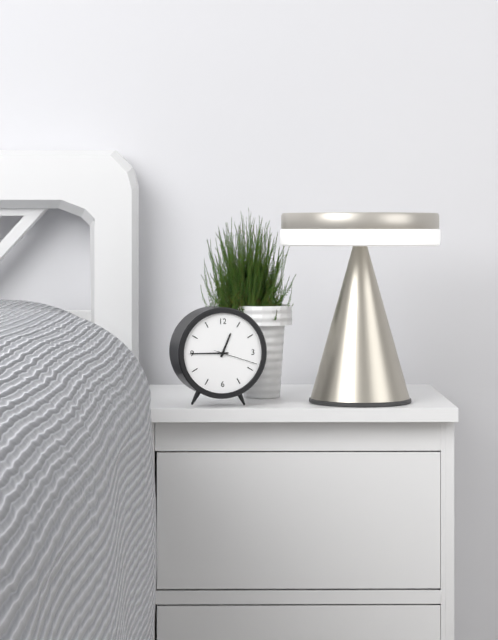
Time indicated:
**12:45**
